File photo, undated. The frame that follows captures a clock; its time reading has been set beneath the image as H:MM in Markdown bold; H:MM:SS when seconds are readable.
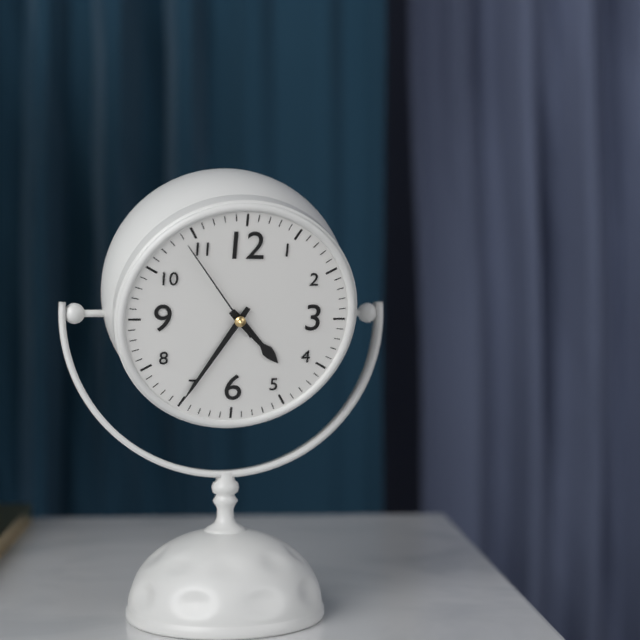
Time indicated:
**4:35:54**
